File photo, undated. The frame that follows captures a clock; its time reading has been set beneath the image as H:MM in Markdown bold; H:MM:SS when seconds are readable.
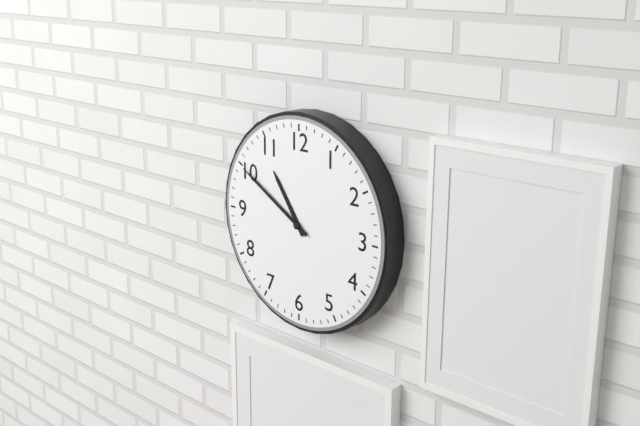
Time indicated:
**10:50**
